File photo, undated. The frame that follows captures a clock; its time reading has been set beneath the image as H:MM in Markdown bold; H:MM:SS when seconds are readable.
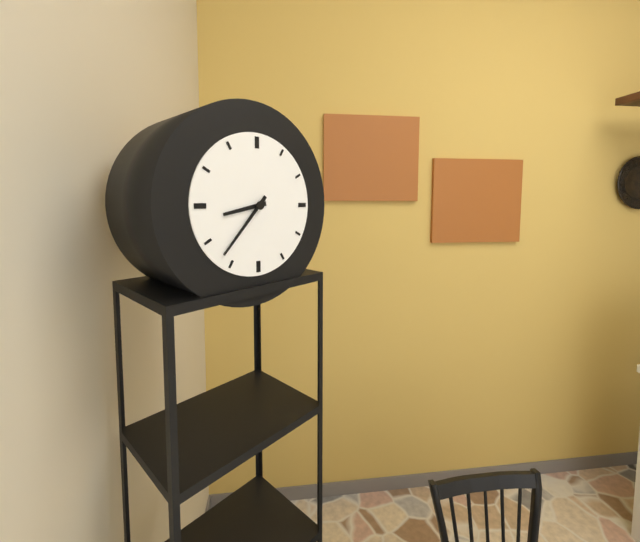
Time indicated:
**8:37**
